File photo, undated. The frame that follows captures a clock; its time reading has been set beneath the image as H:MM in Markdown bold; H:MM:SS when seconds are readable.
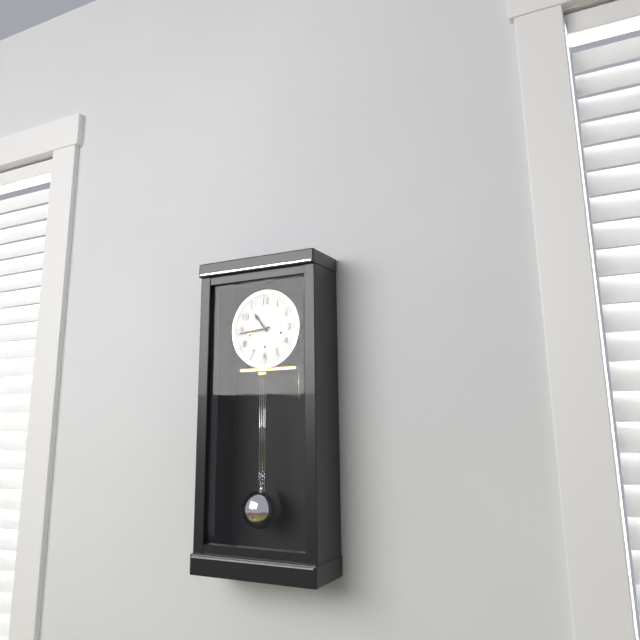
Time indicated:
**10:44**
